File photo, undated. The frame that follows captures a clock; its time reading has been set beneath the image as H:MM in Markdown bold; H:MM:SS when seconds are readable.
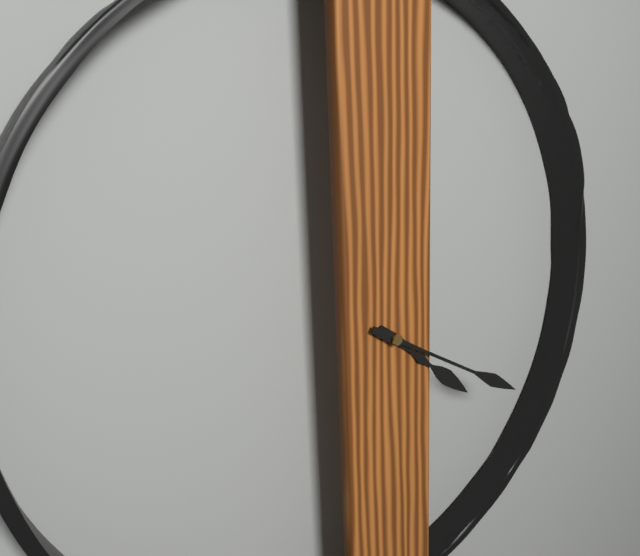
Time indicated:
**4:20**
